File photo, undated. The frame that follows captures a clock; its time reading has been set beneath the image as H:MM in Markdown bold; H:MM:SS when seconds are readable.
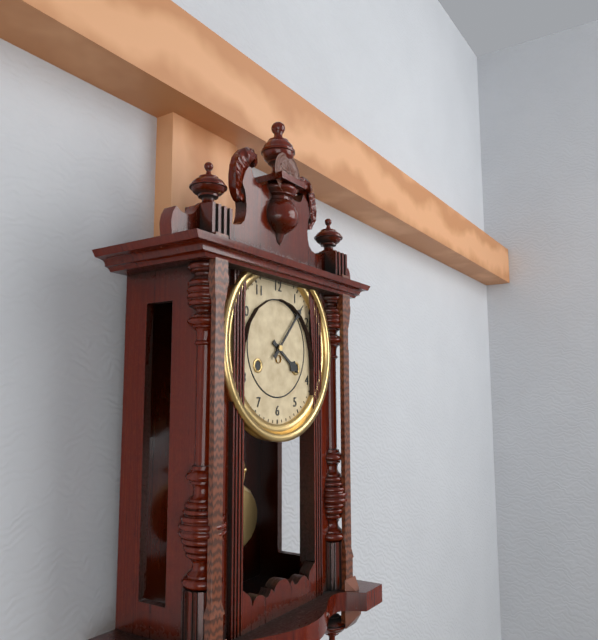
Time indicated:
**4:07**
